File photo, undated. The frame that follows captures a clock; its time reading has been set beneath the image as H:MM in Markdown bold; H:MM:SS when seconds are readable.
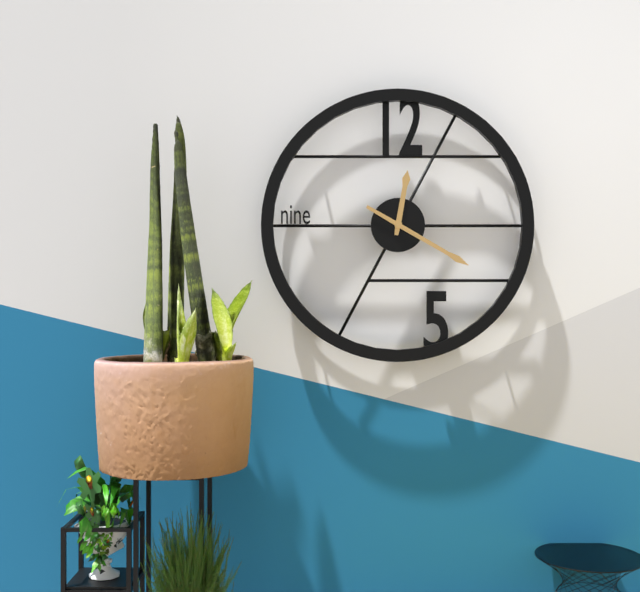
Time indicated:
**12:20**
